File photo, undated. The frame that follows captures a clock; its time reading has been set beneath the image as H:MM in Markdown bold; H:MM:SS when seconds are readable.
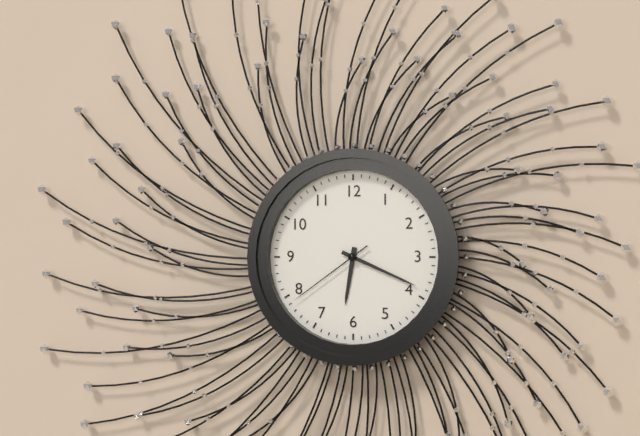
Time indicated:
**6:19:39**
